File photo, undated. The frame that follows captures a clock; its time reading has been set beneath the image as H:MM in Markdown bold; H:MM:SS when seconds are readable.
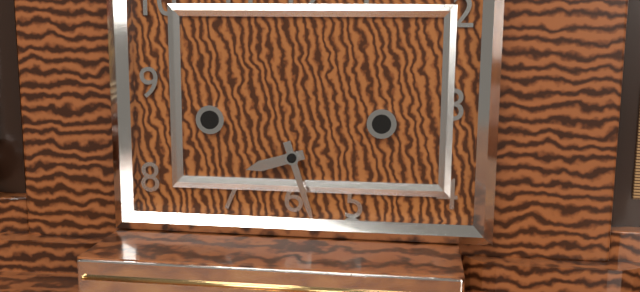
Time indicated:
**8:27**
